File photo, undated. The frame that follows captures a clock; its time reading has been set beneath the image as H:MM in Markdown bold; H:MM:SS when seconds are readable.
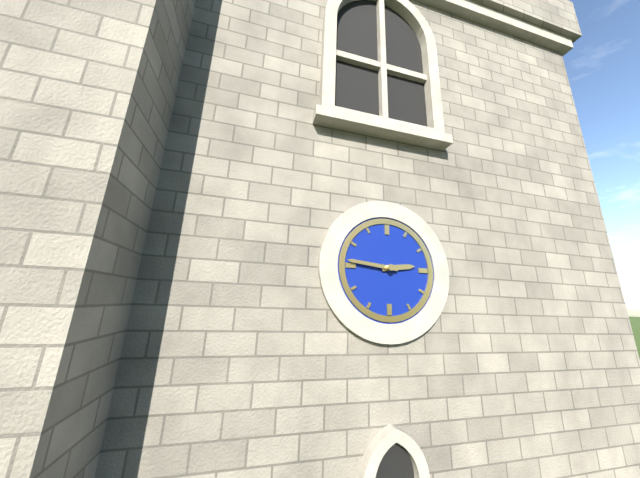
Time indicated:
**2:46**
